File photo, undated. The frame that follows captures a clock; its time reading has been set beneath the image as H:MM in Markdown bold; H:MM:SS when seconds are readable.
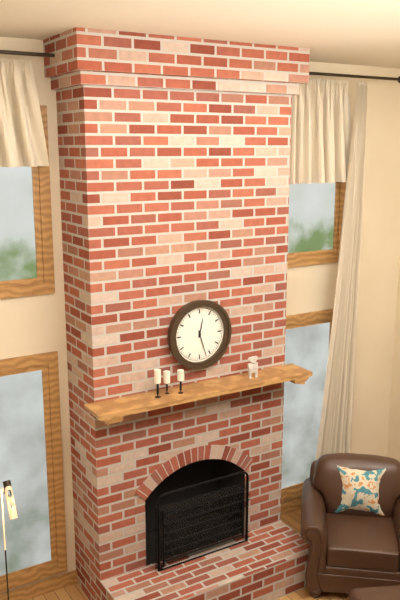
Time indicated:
**12:27**
